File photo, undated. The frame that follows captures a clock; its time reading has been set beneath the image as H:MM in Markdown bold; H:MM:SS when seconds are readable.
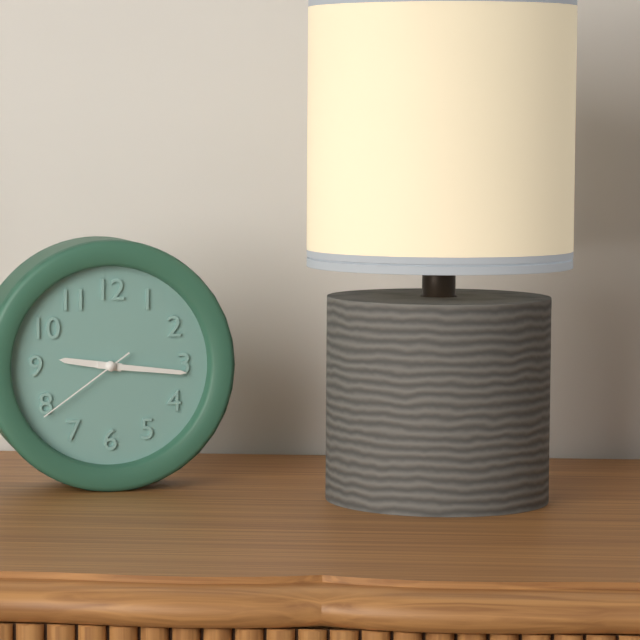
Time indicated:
**9:16:39**
